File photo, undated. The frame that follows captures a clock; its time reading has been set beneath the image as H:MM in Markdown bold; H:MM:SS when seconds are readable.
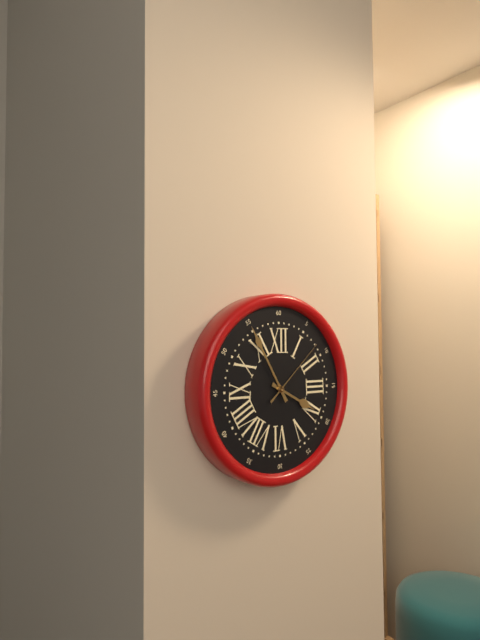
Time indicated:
**3:55:08**
